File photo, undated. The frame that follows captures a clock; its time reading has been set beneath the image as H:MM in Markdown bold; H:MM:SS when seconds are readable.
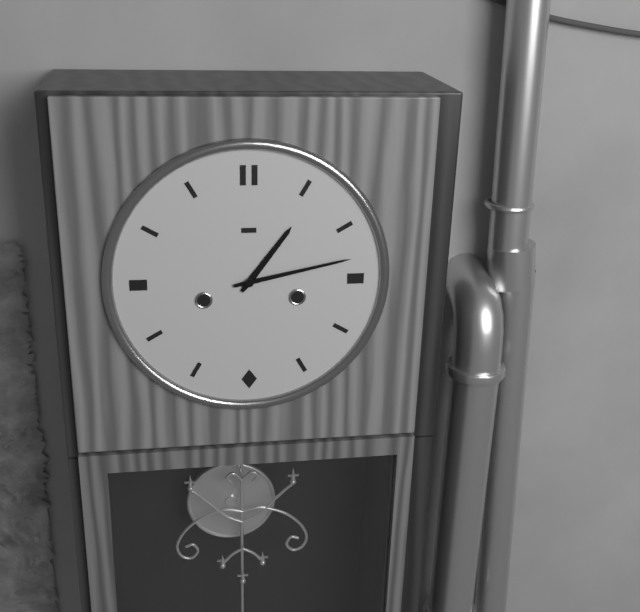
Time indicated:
**1:13**
